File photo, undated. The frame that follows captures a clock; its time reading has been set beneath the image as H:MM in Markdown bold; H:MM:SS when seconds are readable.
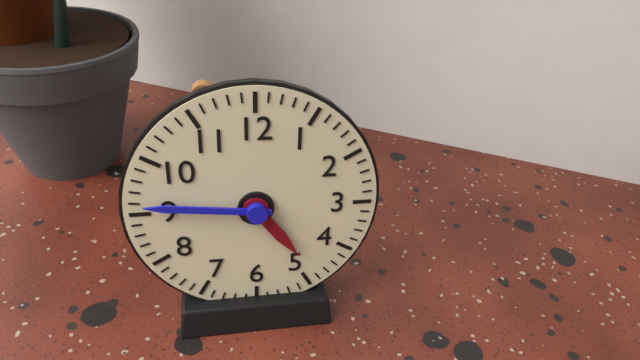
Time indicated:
**4:46**
